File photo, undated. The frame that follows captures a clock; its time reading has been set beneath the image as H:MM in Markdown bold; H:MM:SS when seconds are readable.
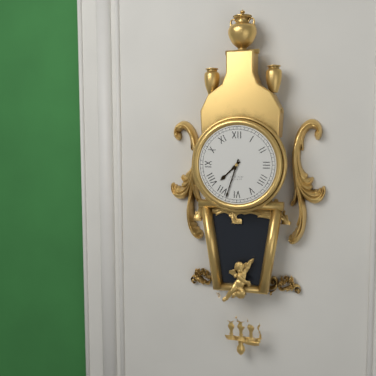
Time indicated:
**7:33**
